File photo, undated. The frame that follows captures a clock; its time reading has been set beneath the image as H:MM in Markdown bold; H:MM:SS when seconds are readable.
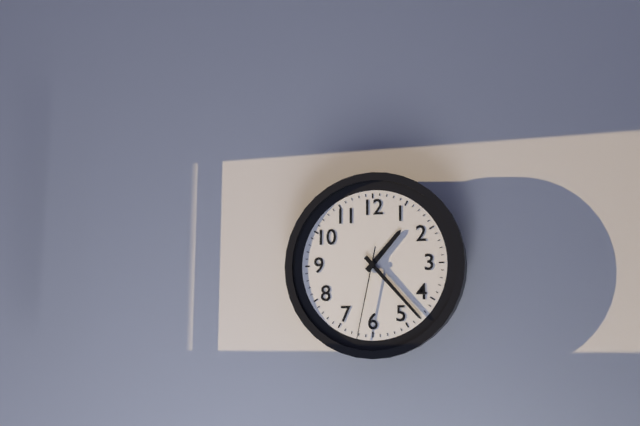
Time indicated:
**1:23:32**
